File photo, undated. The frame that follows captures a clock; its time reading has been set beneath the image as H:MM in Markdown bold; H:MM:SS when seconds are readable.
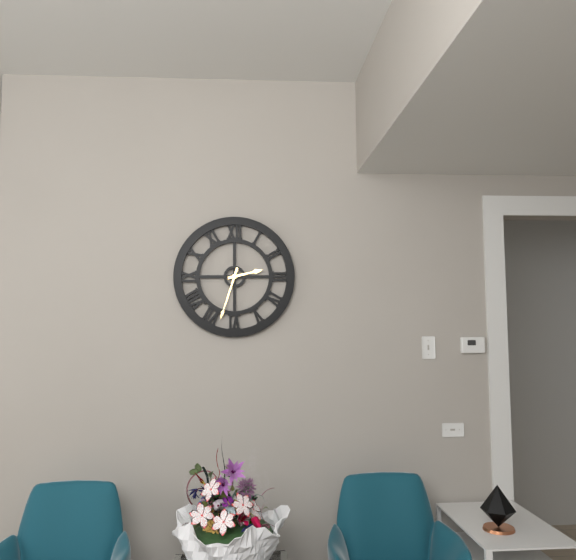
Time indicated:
**2:33**
